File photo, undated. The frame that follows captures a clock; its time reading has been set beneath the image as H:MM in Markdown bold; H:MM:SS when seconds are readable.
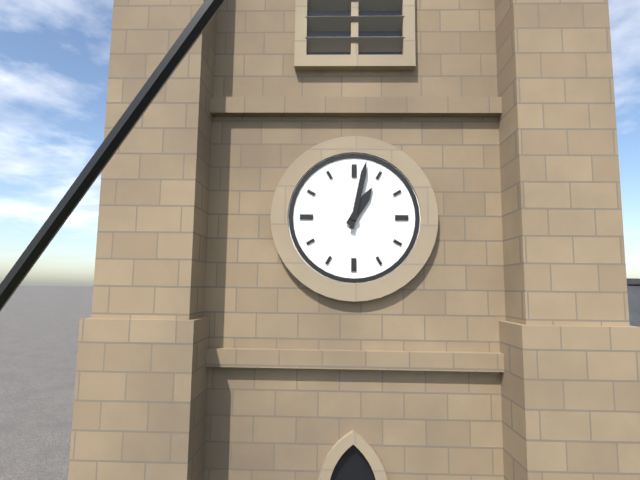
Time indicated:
**1:02**
